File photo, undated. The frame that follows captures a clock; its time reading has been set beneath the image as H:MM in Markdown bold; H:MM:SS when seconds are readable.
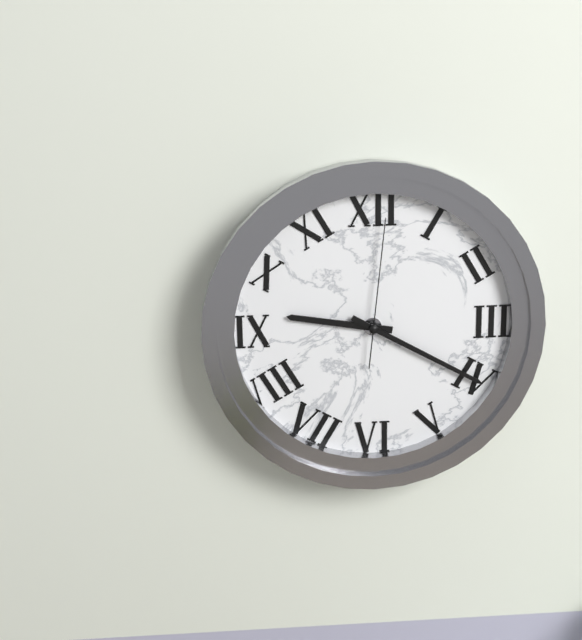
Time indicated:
**9:20:01**
